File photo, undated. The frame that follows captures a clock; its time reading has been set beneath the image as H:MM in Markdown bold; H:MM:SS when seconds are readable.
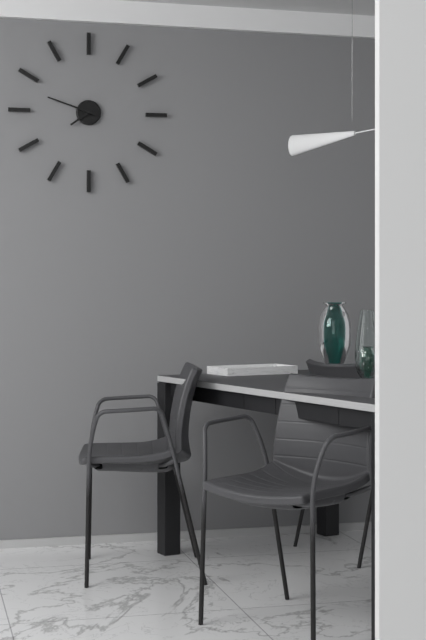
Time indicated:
**7:48**
